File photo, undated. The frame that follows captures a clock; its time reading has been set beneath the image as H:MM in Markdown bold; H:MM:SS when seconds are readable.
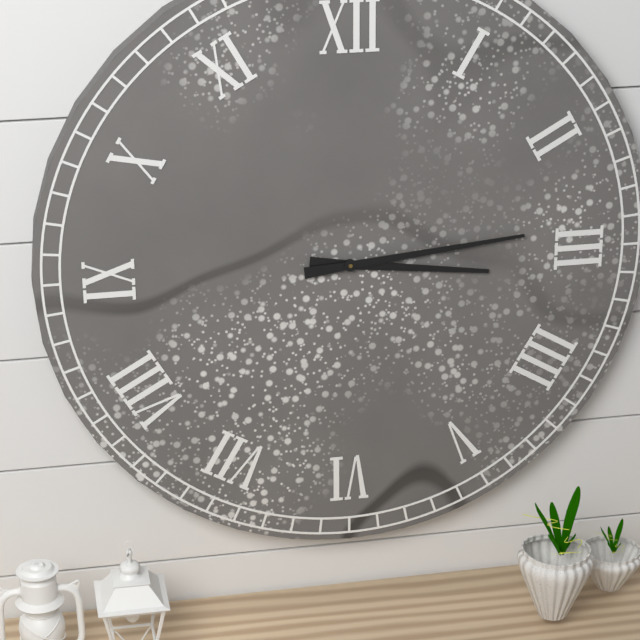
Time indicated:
**3:14**
